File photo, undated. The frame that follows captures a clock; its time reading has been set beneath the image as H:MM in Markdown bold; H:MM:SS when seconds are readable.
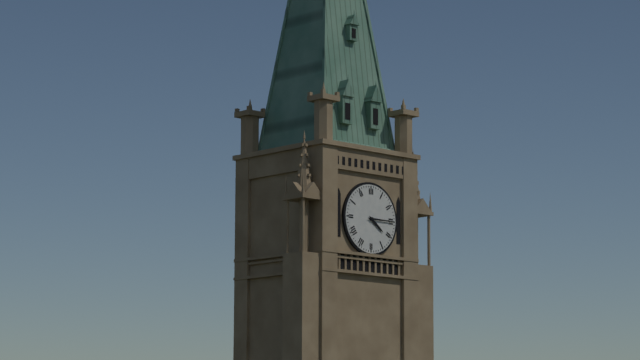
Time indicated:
**4:15**
